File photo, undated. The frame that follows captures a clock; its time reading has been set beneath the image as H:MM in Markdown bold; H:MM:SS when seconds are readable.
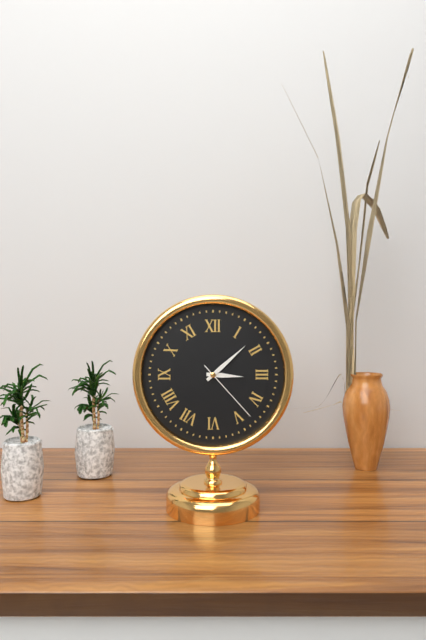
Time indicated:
**3:08:23**
